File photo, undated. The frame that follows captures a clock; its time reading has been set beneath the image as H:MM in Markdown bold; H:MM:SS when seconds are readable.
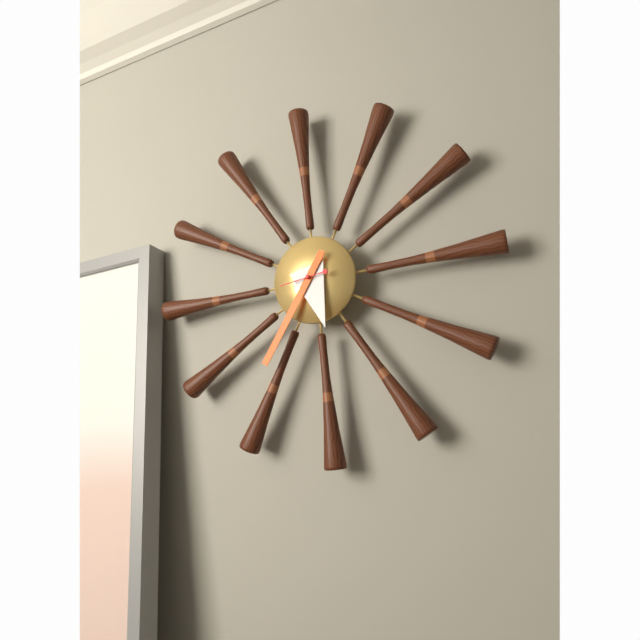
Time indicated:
**5:36:44**
